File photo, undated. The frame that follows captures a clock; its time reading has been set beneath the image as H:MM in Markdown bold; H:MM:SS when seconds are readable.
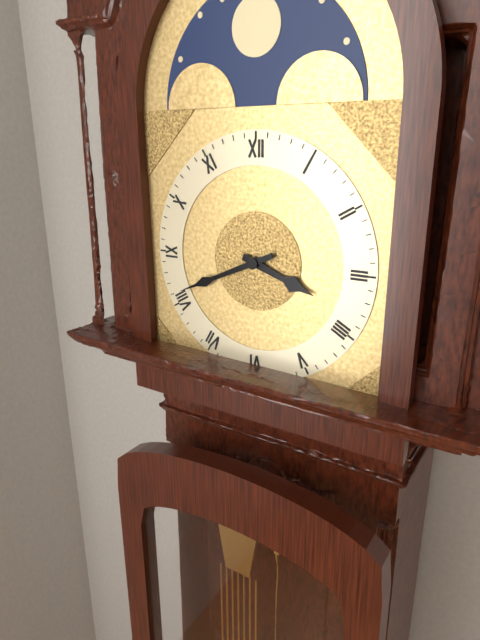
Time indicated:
**3:41**
